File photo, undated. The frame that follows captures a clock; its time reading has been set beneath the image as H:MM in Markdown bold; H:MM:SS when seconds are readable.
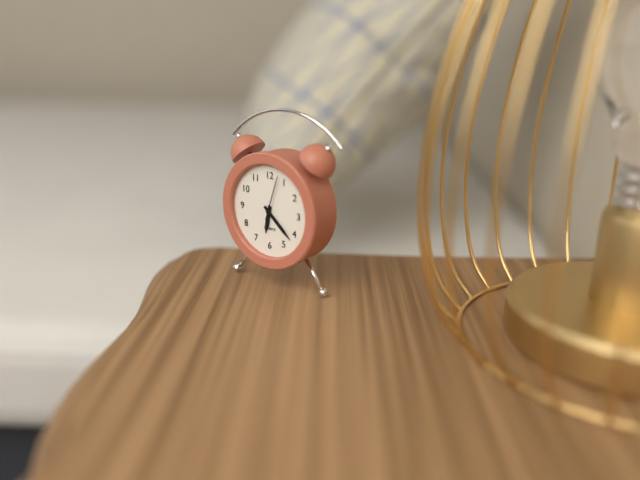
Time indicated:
**6:22**
